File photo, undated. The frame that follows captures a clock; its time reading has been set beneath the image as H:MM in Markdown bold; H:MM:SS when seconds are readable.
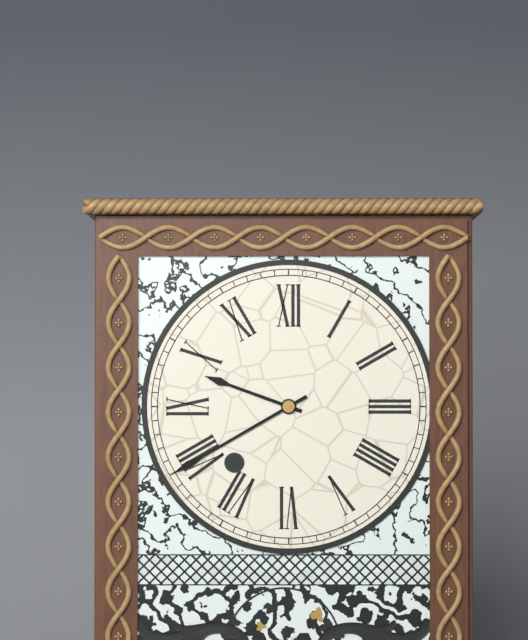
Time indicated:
**9:40**
